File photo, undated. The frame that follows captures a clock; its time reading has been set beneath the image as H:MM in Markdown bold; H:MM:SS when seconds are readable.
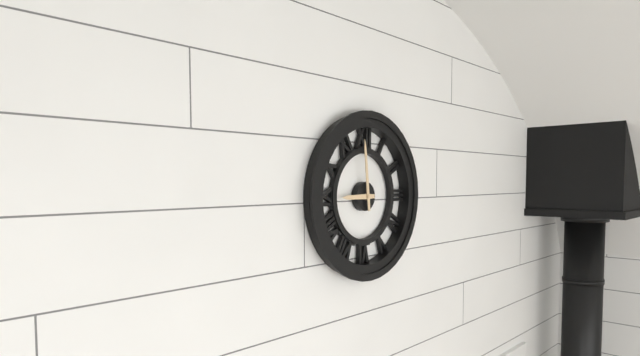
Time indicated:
**8:59**
